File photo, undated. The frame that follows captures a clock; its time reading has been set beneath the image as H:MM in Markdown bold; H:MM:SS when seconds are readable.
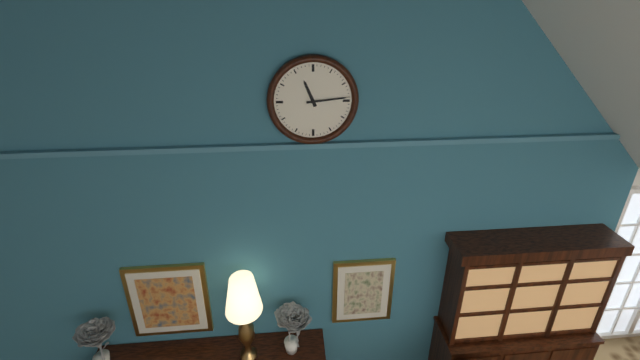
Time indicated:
**11:14**
